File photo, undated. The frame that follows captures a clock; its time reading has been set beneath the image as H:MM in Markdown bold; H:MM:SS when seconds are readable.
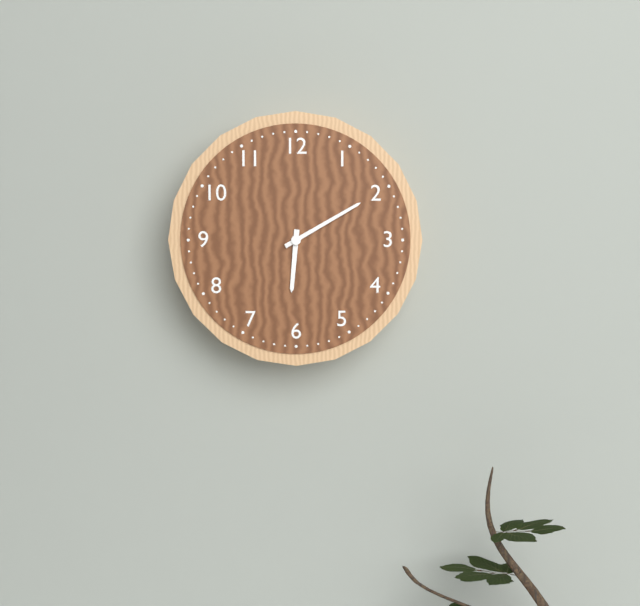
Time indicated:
**6:10**
